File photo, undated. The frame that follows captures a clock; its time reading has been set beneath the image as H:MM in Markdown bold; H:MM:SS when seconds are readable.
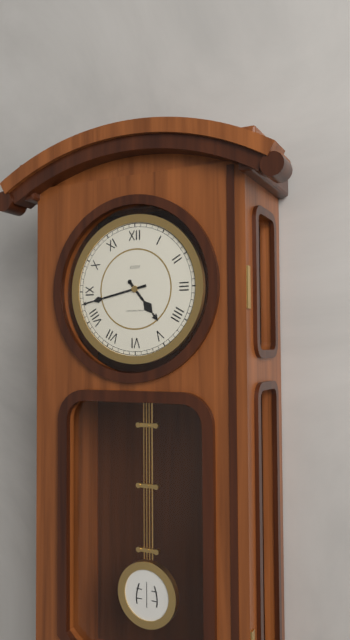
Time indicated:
**4:43**
